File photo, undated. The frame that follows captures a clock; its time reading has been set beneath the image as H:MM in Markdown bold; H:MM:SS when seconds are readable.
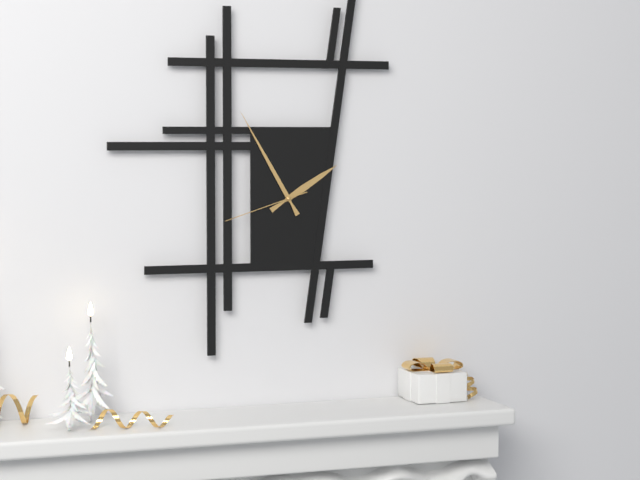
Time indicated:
**1:55:42**
